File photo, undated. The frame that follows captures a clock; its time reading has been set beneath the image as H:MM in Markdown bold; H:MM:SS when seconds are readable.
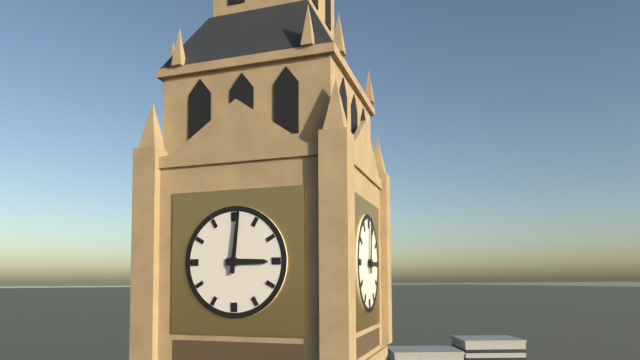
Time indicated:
**3:01**
